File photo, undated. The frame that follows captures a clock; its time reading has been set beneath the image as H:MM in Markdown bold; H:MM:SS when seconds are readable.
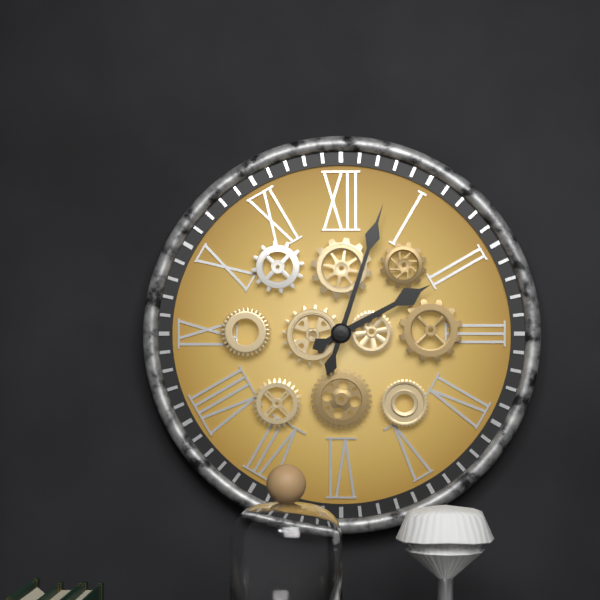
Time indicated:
**2:03**
